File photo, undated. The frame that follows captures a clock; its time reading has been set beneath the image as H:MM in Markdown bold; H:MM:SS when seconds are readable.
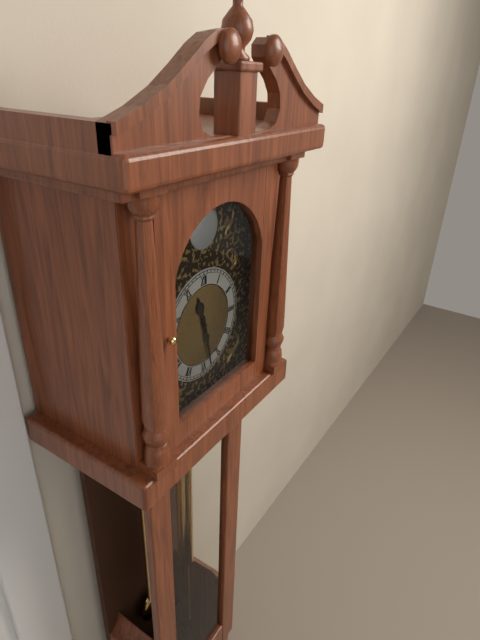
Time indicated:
**11:28**
